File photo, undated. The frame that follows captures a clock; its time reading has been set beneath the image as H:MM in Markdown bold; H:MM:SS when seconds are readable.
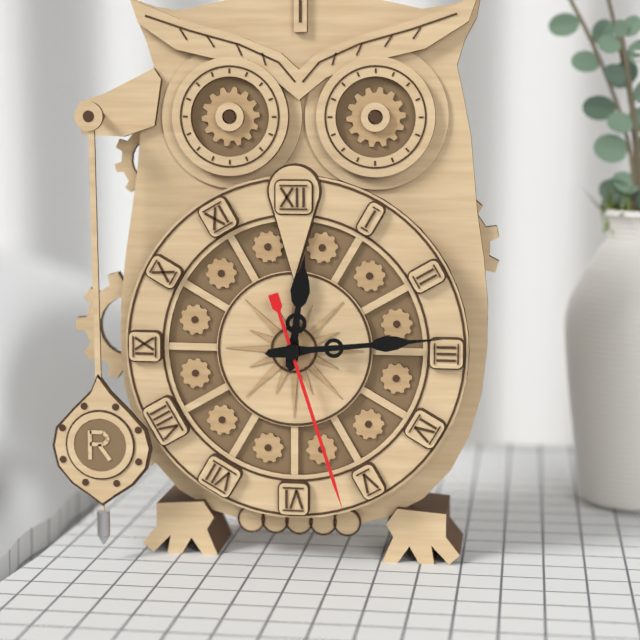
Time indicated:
**12:14:27**
